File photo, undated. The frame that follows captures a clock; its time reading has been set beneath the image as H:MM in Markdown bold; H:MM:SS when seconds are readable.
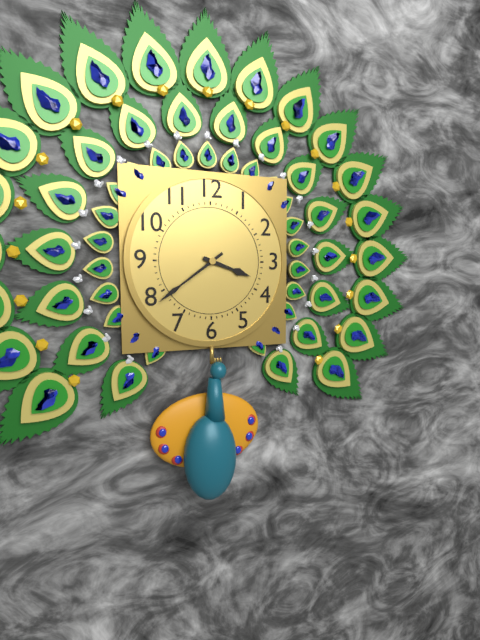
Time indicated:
**3:39**
